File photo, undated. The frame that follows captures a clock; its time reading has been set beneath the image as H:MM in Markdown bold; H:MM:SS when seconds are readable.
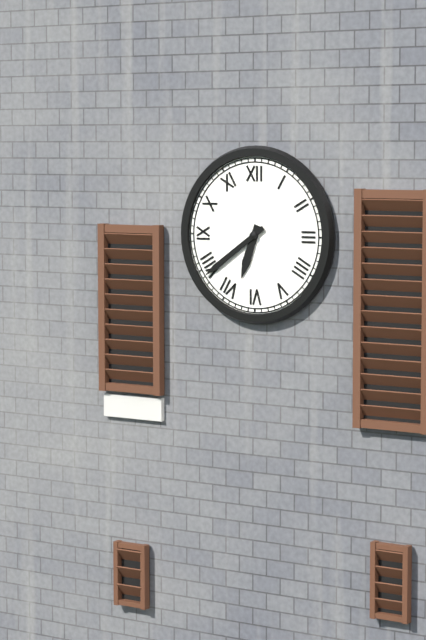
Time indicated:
**6:39**
